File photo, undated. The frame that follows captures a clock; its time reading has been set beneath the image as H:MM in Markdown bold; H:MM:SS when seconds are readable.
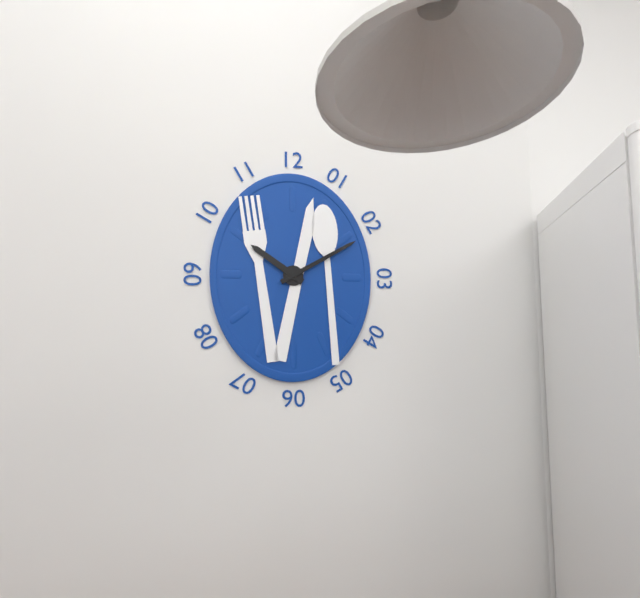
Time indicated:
**10:10**
